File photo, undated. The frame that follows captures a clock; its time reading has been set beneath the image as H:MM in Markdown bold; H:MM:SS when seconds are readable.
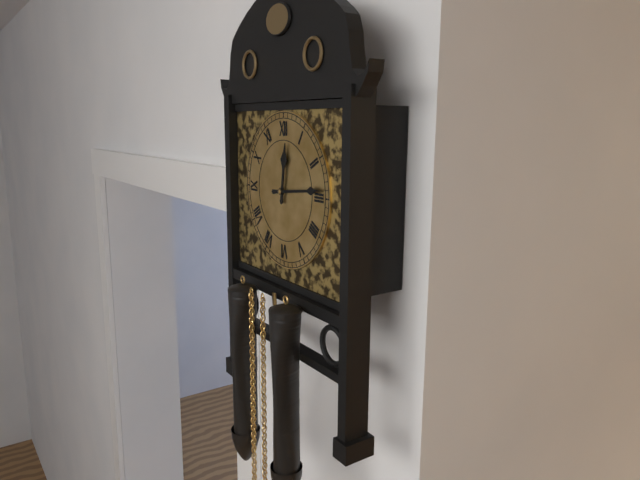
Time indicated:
**12:14**
